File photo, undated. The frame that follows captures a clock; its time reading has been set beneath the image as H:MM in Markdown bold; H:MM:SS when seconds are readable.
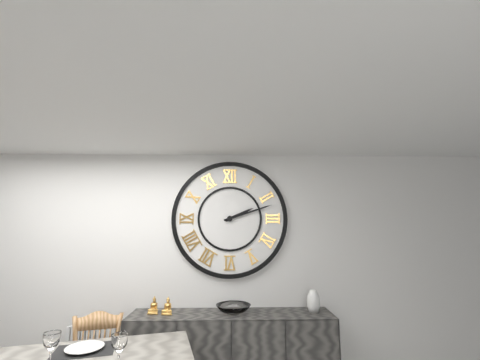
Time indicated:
**2:12**
